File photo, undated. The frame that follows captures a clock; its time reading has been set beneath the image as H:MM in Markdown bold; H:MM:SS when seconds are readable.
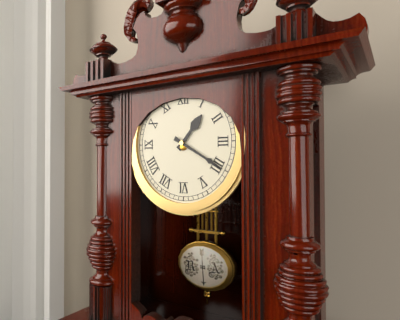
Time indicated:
**1:20**
